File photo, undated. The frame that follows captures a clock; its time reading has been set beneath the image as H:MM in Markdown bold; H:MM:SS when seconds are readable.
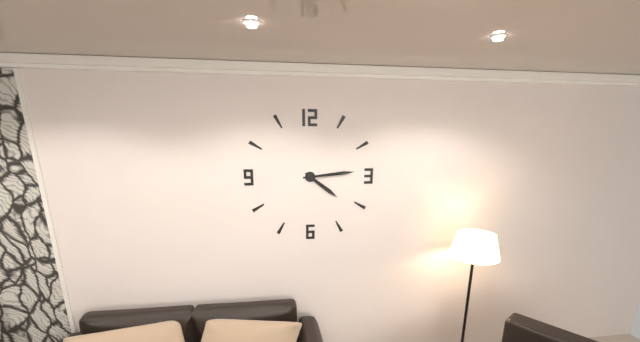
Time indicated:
**4:14**
